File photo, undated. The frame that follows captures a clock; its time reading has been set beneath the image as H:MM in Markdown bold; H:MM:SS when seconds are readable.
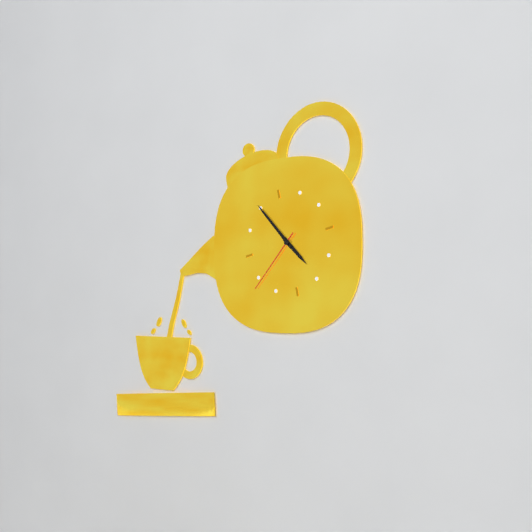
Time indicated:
**4:55:39**
